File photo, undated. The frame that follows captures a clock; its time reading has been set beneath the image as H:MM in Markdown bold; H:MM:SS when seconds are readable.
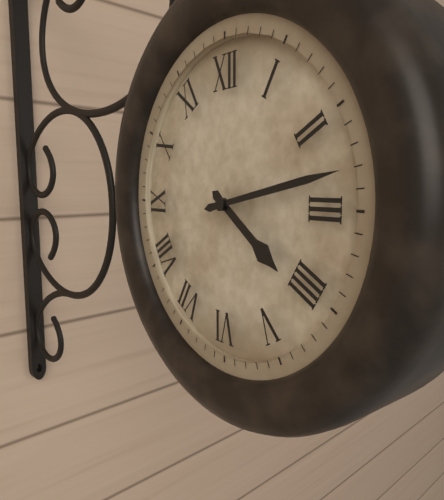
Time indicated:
**4:13**
